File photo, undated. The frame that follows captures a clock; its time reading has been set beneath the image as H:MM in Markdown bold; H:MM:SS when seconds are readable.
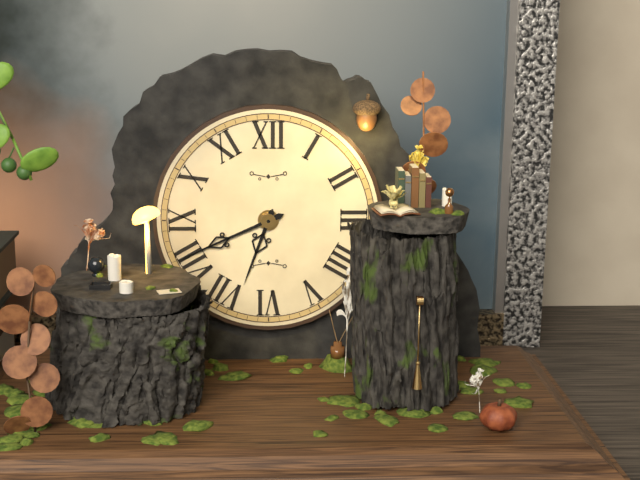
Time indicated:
**6:41**
